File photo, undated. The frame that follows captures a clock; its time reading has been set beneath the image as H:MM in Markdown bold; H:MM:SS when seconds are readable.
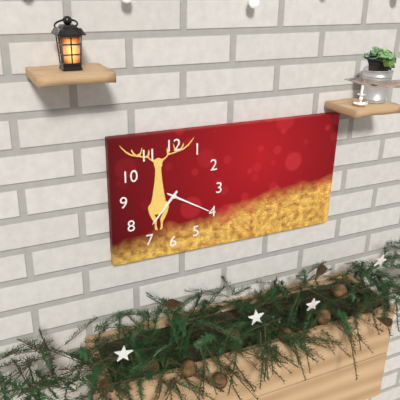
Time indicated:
**7:20**
